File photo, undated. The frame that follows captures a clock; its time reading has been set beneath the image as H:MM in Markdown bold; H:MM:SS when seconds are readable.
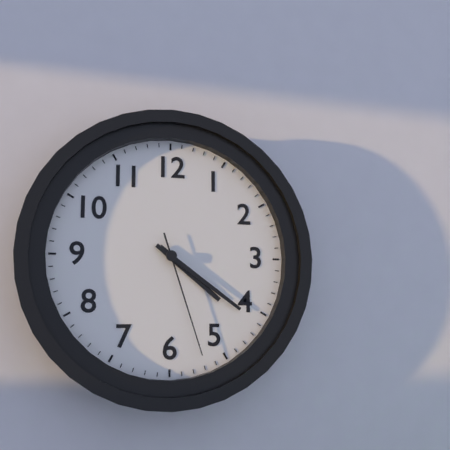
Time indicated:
**4:21:27**
